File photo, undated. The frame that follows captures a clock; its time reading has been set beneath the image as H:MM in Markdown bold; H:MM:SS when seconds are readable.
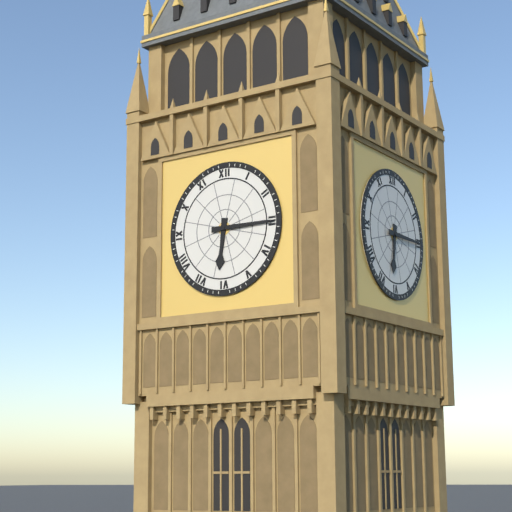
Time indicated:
**6:15**
